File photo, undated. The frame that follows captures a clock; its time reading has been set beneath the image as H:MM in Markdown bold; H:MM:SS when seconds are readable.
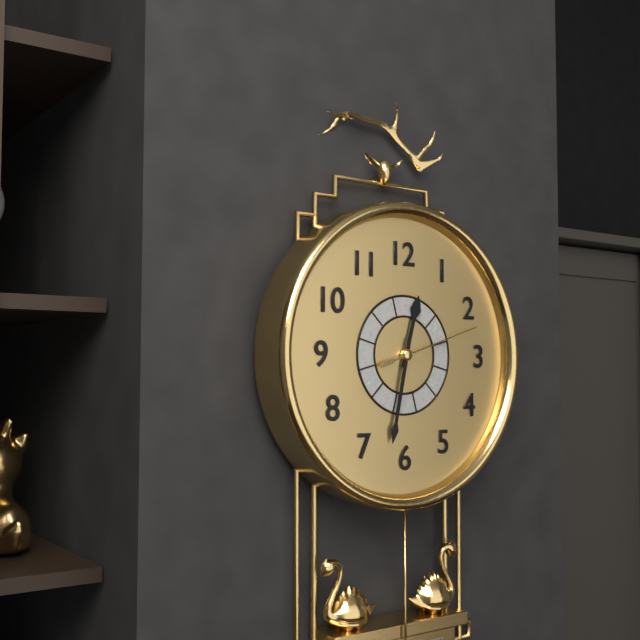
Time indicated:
**12:32:12**
